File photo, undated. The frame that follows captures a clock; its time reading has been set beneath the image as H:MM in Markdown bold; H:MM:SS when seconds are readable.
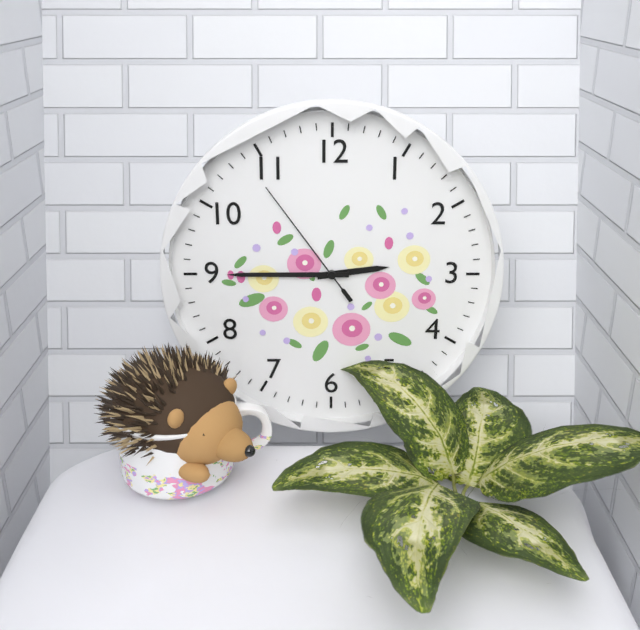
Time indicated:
**2:45:54**
